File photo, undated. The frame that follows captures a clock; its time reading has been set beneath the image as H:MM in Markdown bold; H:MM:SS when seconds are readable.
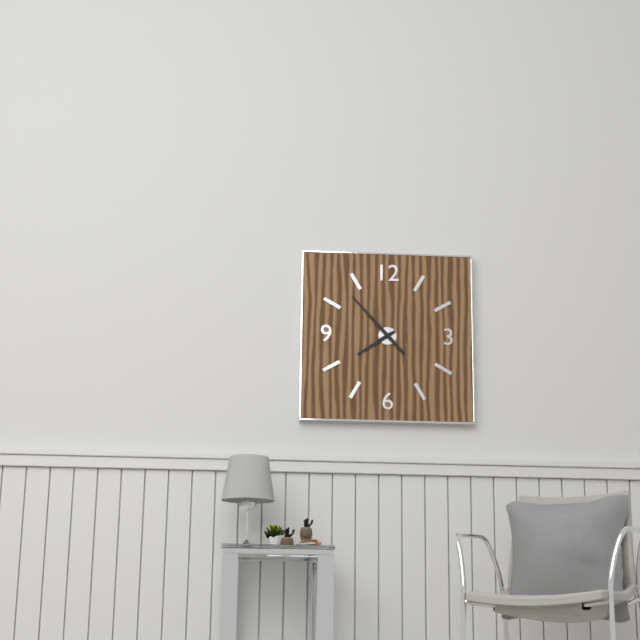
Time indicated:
**7:53**
